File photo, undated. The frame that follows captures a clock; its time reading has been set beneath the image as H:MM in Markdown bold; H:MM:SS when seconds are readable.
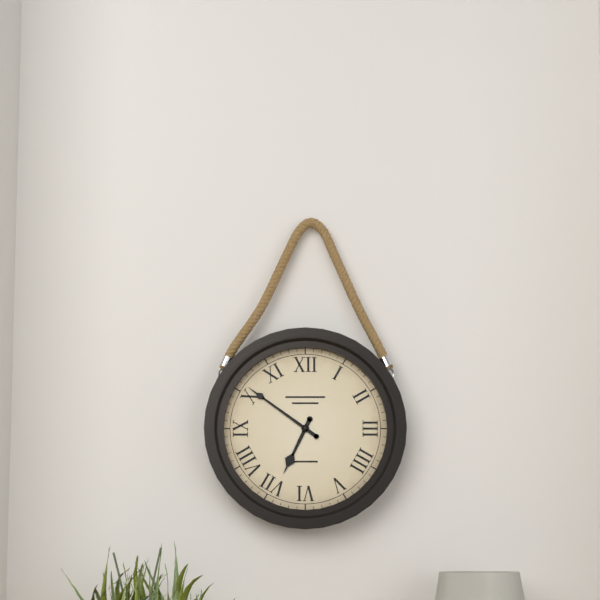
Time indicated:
**6:51**
